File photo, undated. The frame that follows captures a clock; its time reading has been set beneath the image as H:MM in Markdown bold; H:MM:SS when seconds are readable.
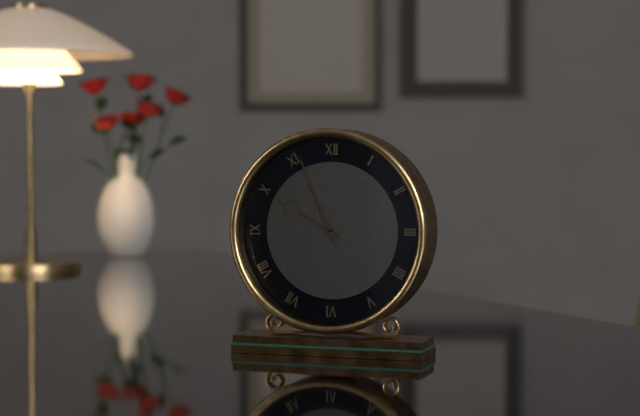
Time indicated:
**9:56**
